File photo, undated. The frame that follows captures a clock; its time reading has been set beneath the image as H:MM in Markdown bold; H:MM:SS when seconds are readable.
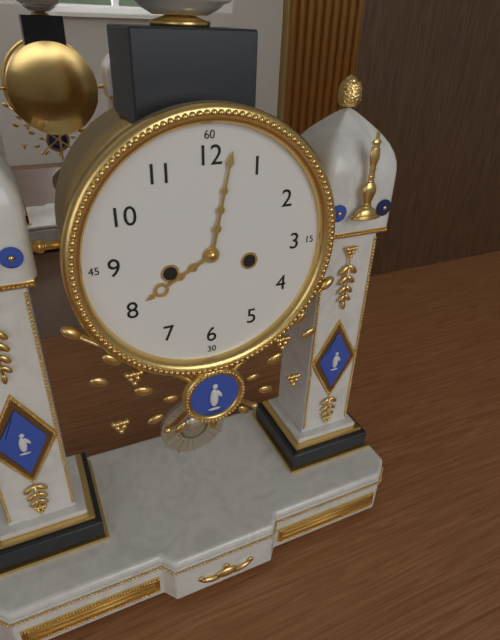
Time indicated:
**8:02**
